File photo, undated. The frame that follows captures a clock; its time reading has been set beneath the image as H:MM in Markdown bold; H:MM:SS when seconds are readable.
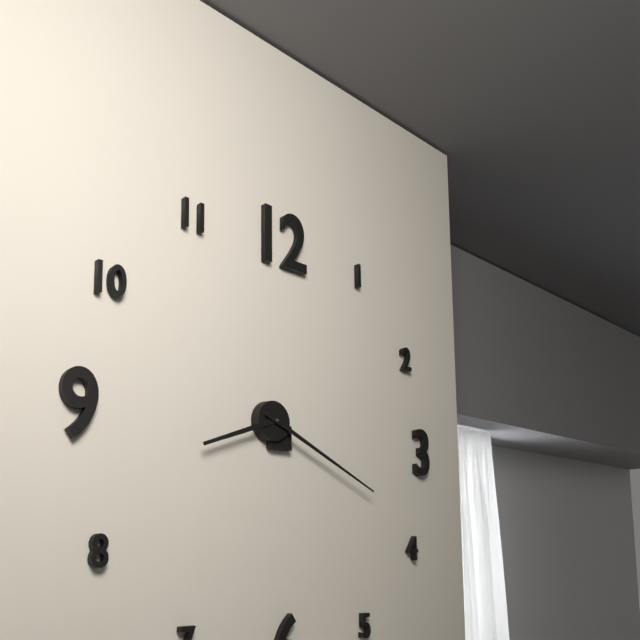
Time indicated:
**8:19**
